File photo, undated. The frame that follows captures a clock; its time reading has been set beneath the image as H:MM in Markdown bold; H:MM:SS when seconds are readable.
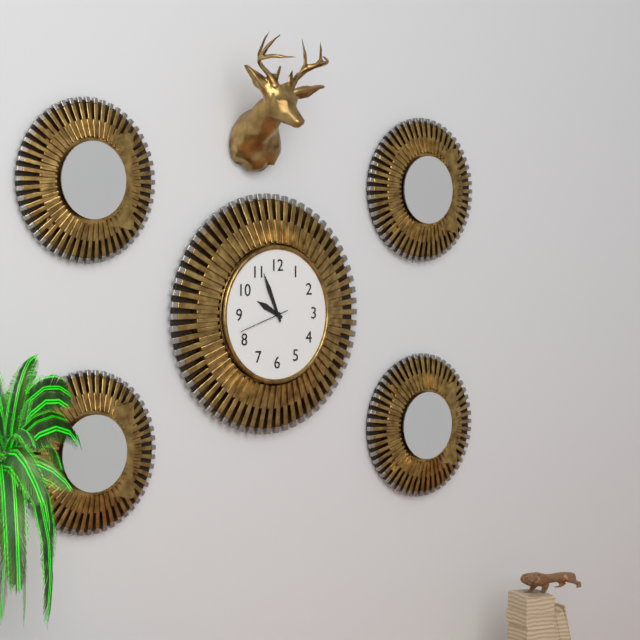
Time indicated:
**9:56:42**
